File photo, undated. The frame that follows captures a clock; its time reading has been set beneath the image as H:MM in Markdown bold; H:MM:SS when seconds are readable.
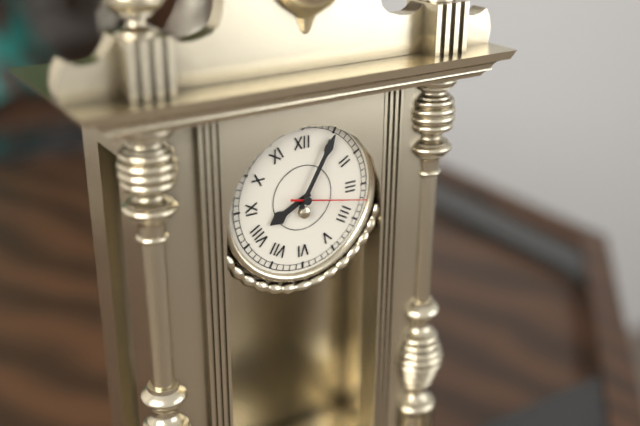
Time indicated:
**8:05:17**
